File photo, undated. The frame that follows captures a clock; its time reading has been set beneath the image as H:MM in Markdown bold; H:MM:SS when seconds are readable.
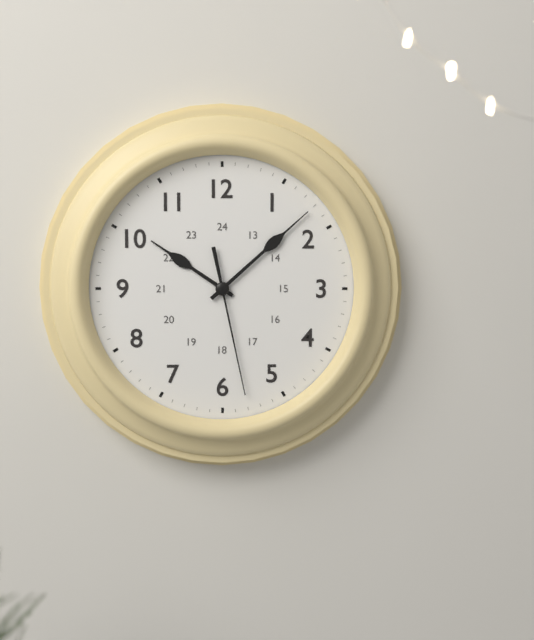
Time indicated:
**10:08:28**
